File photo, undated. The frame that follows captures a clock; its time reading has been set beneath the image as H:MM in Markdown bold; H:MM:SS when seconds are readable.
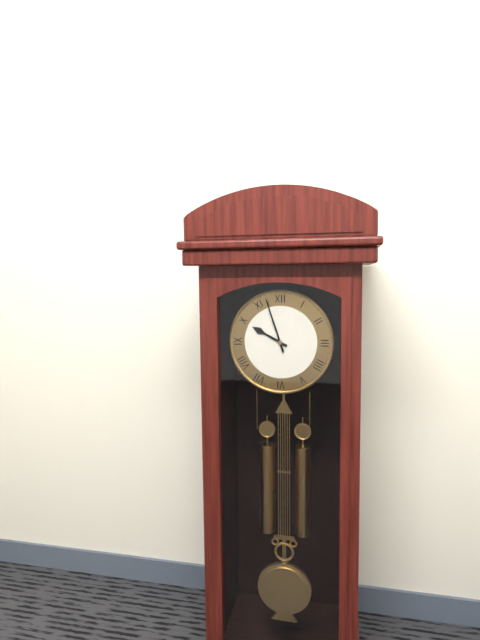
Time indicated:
**9:57**
